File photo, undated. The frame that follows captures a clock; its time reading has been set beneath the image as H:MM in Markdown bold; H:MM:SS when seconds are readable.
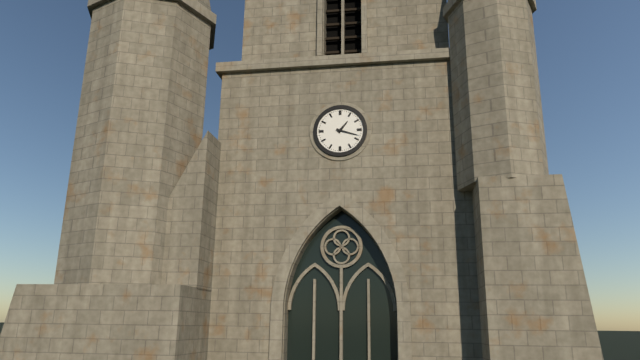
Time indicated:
**1:18**
